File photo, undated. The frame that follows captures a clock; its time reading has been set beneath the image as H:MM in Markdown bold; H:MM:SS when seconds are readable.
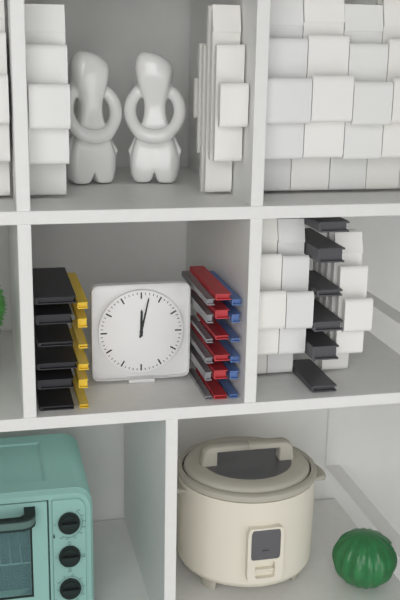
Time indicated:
**12:02**
